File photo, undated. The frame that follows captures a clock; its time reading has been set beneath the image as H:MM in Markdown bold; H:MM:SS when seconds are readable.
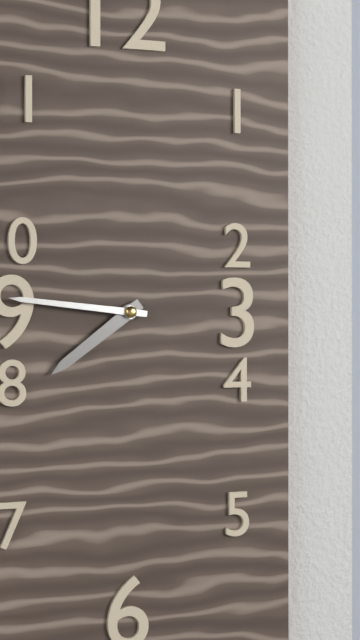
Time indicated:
**7:46**
